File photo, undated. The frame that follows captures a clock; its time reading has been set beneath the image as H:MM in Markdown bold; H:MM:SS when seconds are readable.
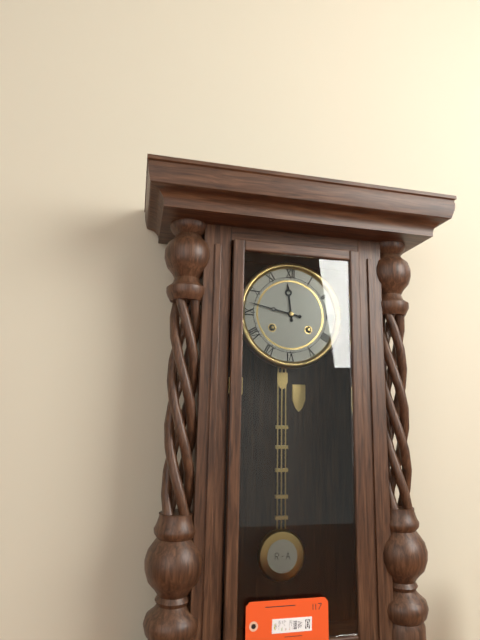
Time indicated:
**11:47**
